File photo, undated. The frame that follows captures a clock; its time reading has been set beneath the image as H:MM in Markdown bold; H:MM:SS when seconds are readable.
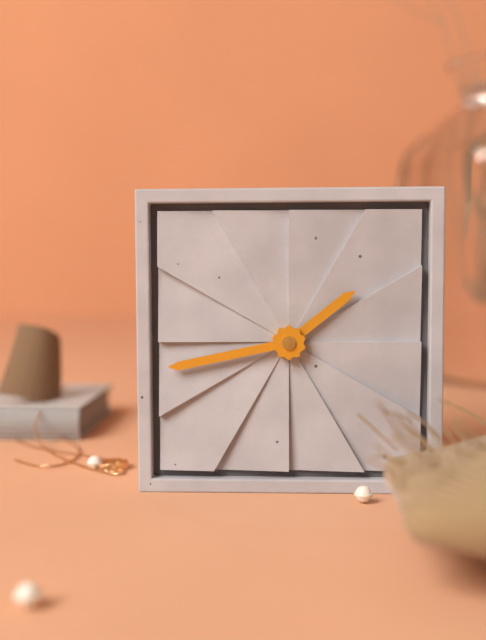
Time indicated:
**1:43**
